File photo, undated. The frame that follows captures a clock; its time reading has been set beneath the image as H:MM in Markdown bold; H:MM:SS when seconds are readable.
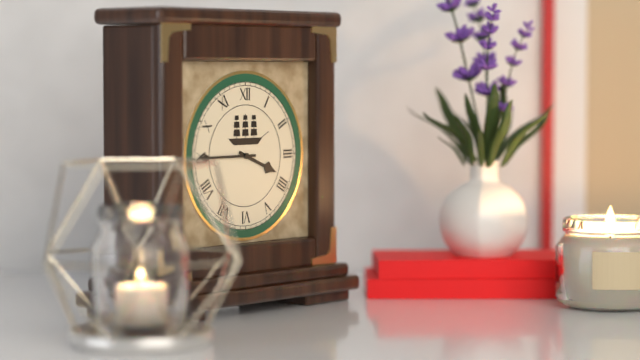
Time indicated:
**3:45**
